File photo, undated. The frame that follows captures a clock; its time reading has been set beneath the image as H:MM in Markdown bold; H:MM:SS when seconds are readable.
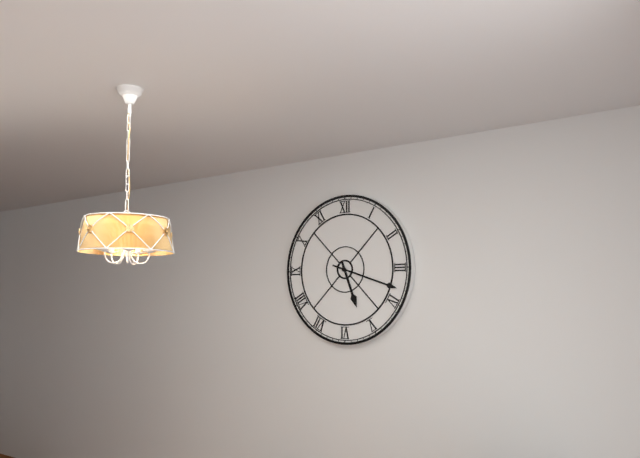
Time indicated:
**5:18**
